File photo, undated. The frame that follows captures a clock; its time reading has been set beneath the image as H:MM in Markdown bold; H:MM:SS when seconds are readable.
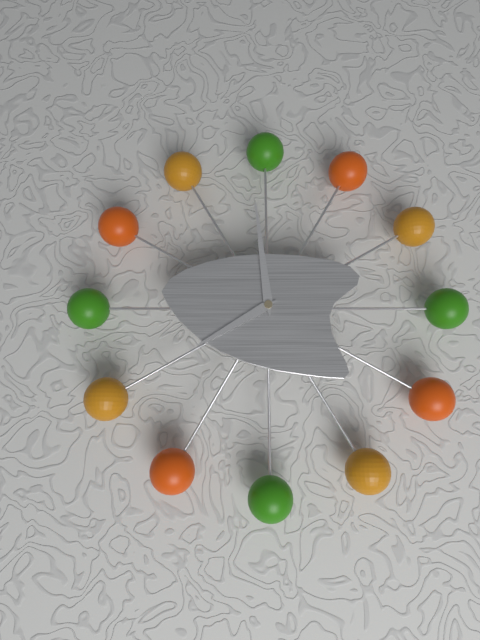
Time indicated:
**7:59**
